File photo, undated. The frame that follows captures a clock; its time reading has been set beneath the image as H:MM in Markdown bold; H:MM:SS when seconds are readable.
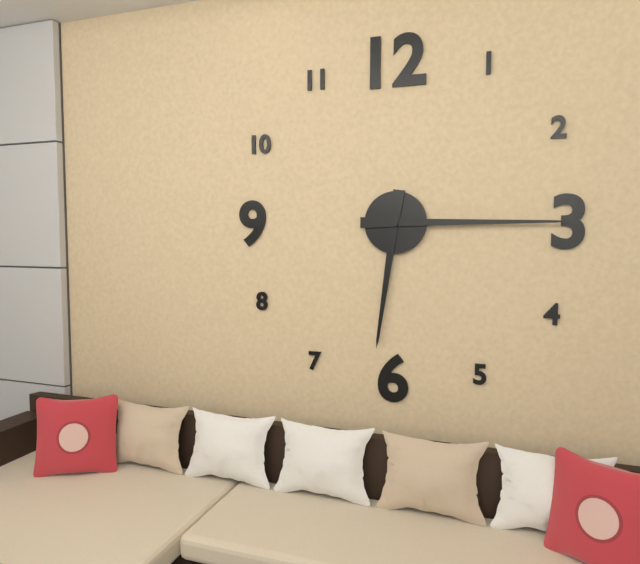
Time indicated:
**6:15**
